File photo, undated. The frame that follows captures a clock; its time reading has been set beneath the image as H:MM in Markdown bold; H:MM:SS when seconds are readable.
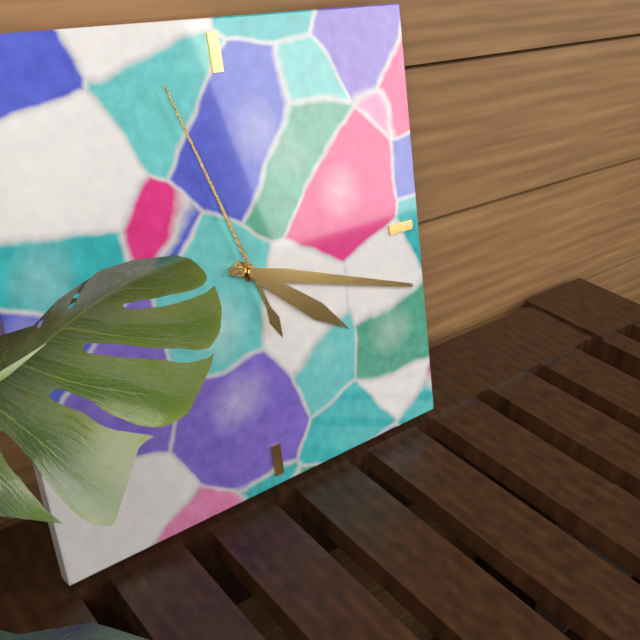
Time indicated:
**4:18:57**
